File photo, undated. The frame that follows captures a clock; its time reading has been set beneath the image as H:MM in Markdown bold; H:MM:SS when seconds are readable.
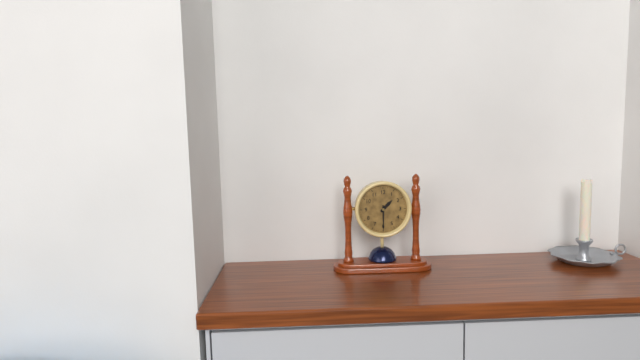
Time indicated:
**1:30**
